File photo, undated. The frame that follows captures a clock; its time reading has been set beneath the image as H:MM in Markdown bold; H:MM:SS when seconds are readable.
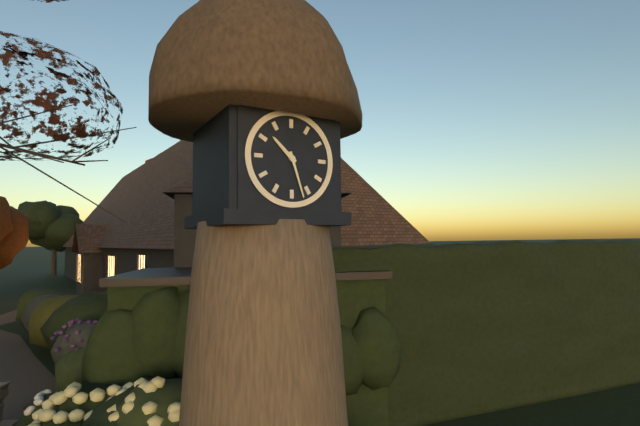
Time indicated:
**10:27**
